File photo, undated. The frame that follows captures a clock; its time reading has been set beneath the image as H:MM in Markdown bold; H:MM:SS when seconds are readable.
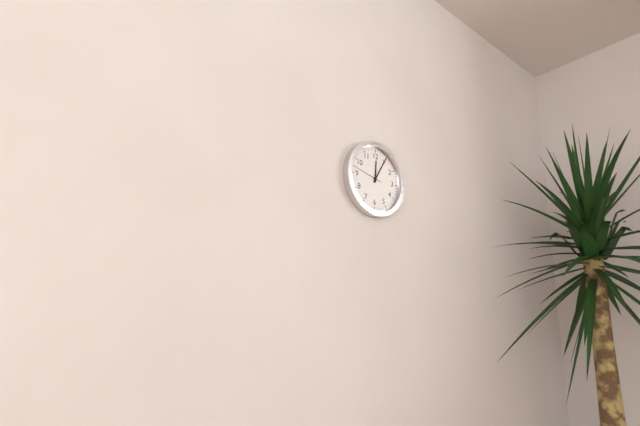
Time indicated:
**12:05**
